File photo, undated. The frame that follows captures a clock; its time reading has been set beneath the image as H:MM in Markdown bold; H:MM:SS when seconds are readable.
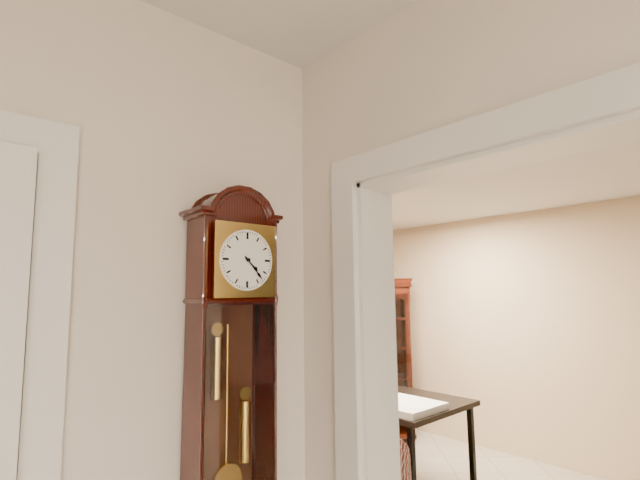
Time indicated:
**4:23**
